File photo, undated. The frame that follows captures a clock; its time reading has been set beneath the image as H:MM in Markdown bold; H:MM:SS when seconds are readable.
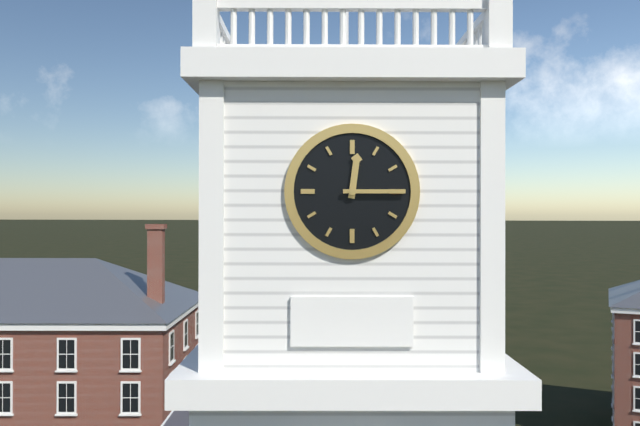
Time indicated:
**12:15**
